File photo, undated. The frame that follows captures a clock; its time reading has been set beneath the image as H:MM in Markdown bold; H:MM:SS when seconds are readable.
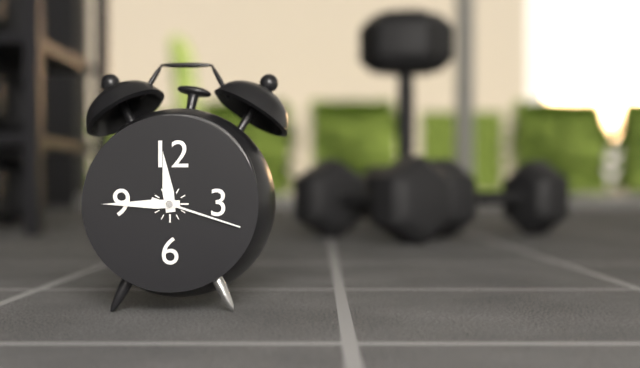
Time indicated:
**11:45:18**
